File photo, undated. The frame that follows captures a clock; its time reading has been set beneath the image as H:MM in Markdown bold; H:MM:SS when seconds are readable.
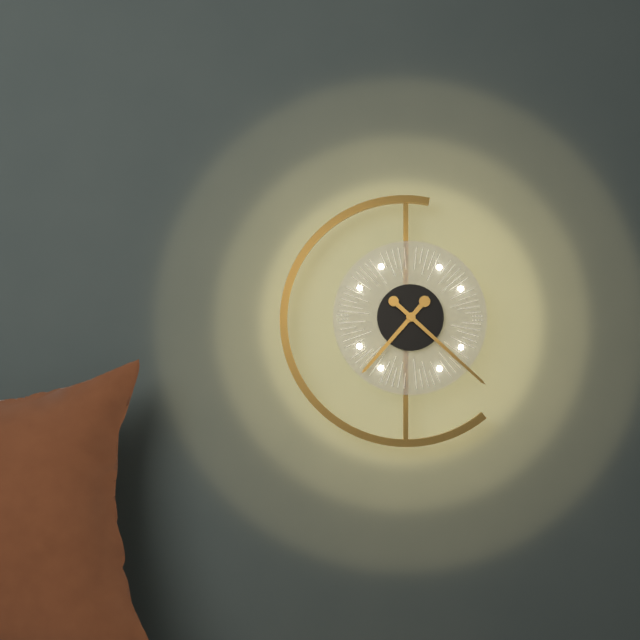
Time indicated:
**7:22**
